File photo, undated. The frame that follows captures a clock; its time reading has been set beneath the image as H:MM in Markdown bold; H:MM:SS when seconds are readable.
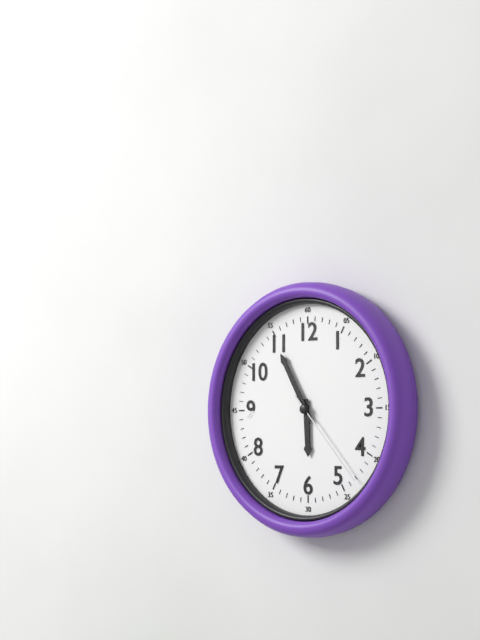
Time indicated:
**5:55:23**
